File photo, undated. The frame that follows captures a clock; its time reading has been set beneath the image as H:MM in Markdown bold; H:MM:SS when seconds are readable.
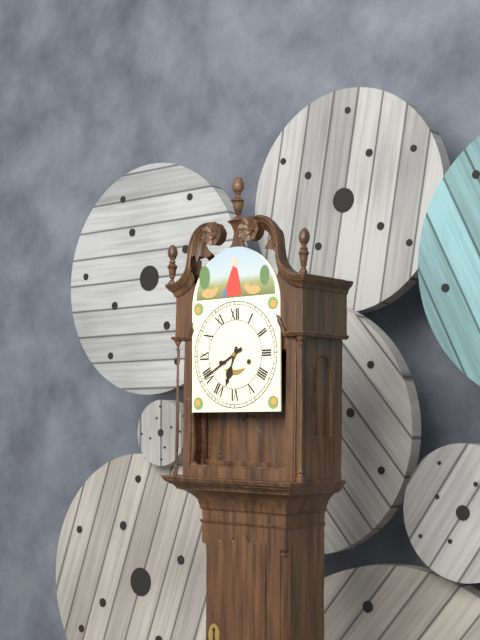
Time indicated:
**6:40**
